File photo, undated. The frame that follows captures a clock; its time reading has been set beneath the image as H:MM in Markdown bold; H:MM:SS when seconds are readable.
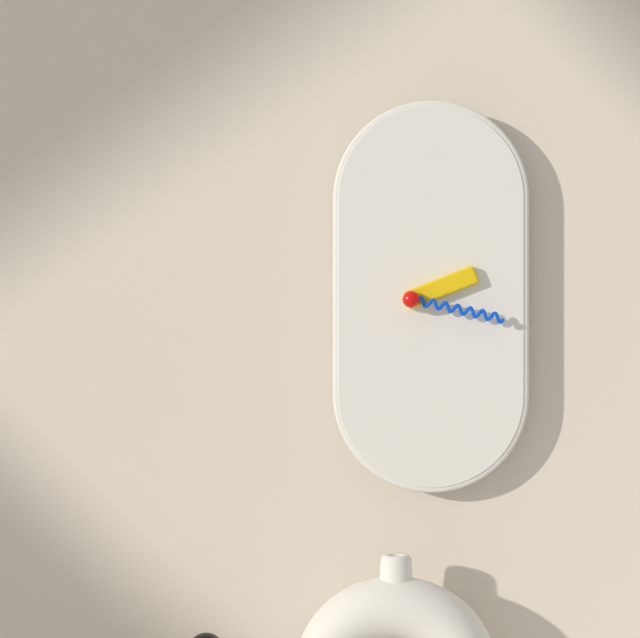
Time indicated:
**2:17**
